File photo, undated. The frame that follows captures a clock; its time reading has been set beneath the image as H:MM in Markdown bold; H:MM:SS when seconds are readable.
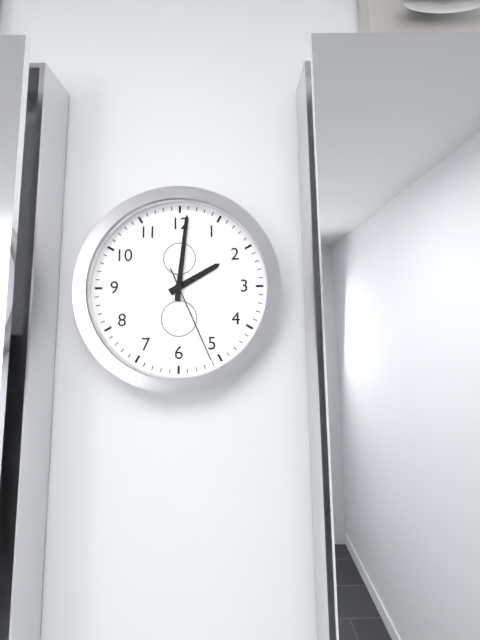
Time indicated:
**2:01:26**
